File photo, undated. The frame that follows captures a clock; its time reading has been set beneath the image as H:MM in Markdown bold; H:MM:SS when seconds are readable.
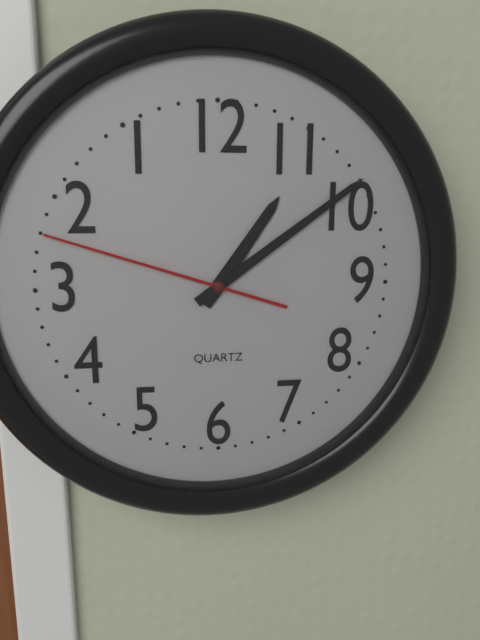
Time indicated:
**1:09:48**
